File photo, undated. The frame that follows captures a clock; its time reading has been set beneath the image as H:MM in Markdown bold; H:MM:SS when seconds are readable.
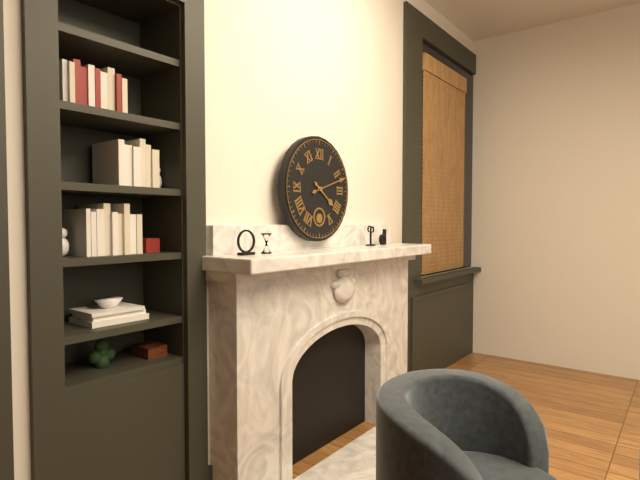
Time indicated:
**4:12**
